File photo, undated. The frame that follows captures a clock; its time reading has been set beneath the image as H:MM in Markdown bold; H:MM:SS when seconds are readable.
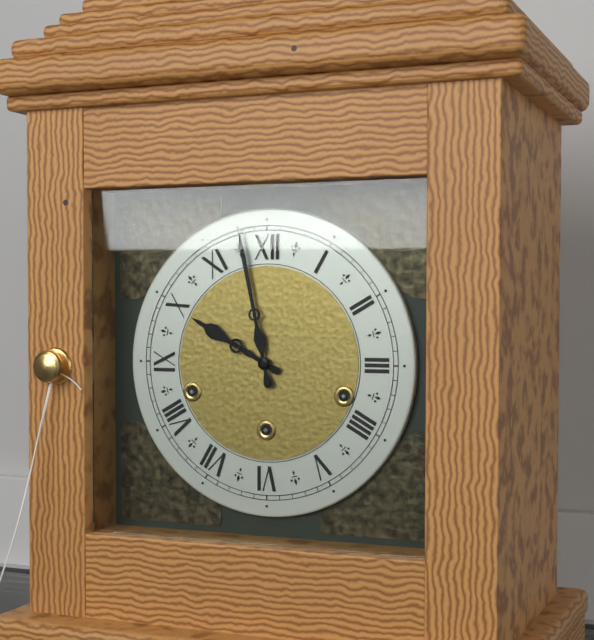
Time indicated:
**9:58**
